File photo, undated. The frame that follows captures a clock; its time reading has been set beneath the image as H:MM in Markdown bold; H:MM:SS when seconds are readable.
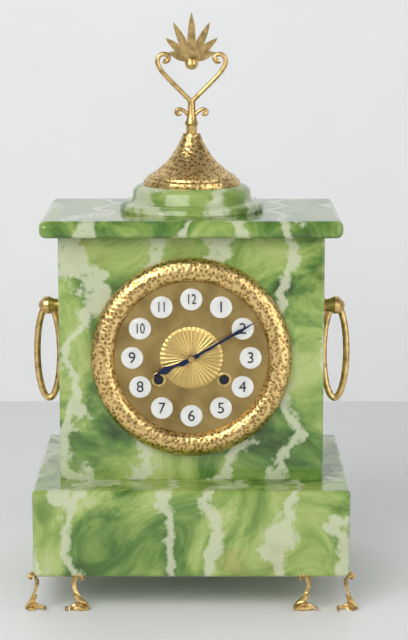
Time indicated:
**8:10**
